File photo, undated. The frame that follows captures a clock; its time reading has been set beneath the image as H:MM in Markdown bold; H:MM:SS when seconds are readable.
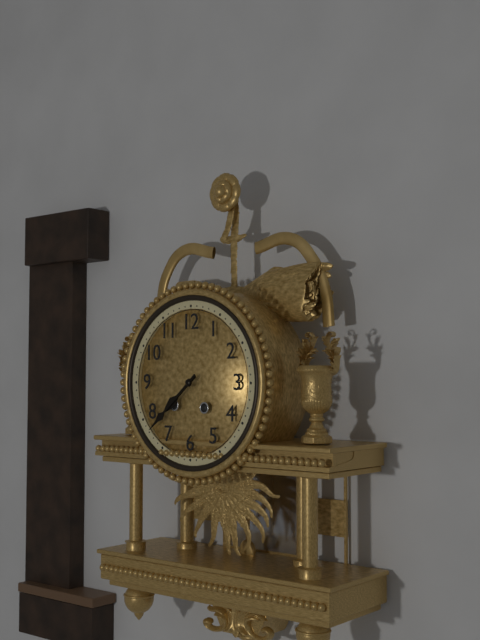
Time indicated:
**7:38**
